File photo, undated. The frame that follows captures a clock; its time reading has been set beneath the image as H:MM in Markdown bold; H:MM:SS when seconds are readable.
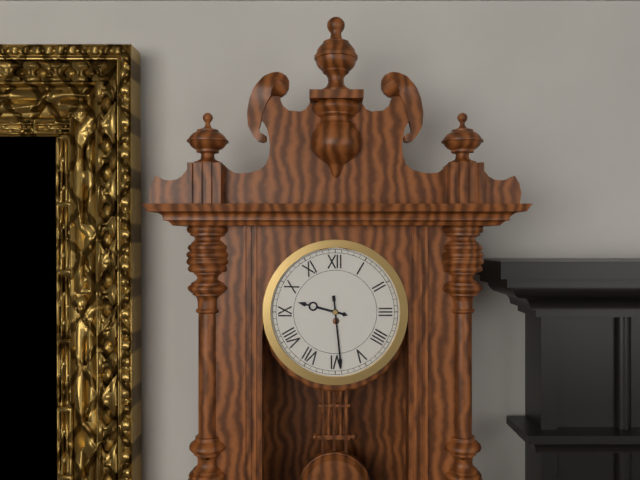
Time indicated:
**9:29**
